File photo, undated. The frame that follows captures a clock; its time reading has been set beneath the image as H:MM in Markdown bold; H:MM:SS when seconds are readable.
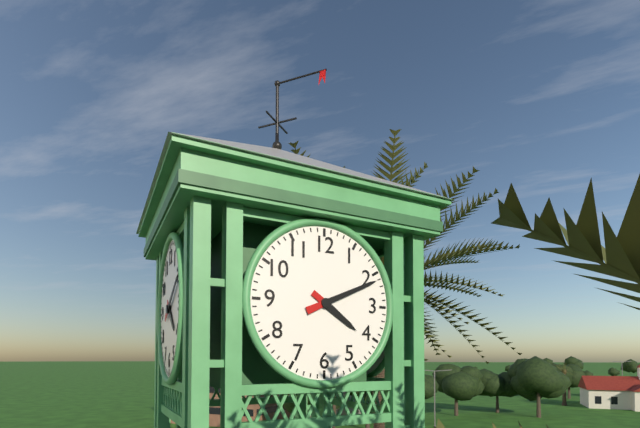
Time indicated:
**4:11**
